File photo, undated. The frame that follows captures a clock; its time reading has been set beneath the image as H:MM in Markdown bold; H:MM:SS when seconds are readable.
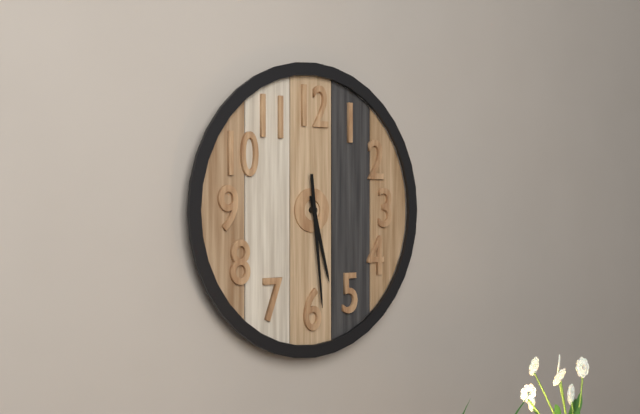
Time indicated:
**5:29**
